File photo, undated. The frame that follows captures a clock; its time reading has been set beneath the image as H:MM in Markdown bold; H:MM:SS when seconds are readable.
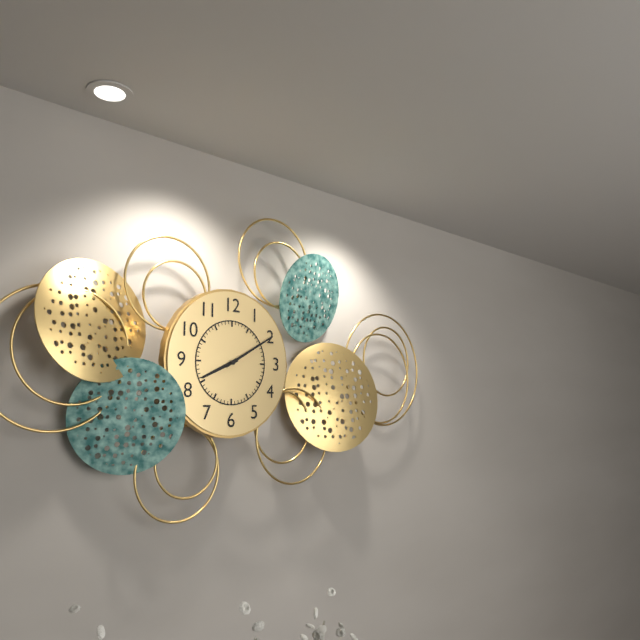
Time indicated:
**8:10**
